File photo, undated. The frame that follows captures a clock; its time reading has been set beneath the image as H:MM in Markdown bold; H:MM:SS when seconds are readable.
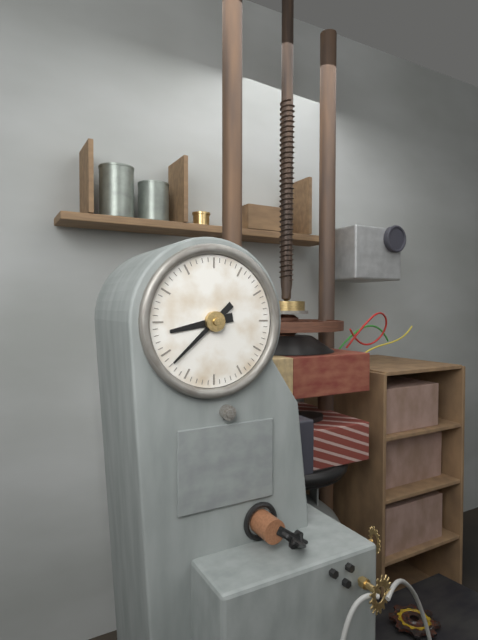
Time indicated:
**8:38**
